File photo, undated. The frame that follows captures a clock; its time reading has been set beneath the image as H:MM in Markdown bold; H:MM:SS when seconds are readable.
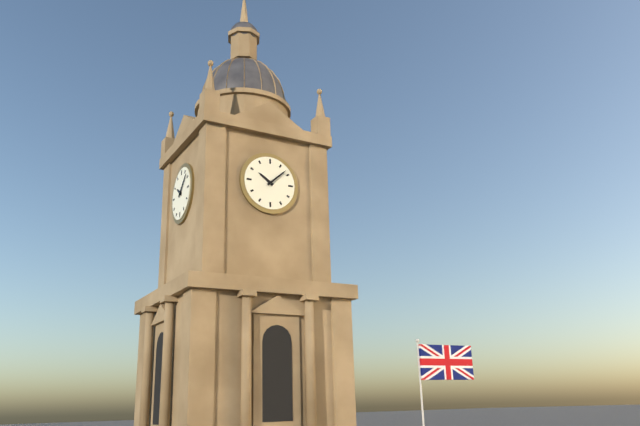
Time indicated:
**10:08**
